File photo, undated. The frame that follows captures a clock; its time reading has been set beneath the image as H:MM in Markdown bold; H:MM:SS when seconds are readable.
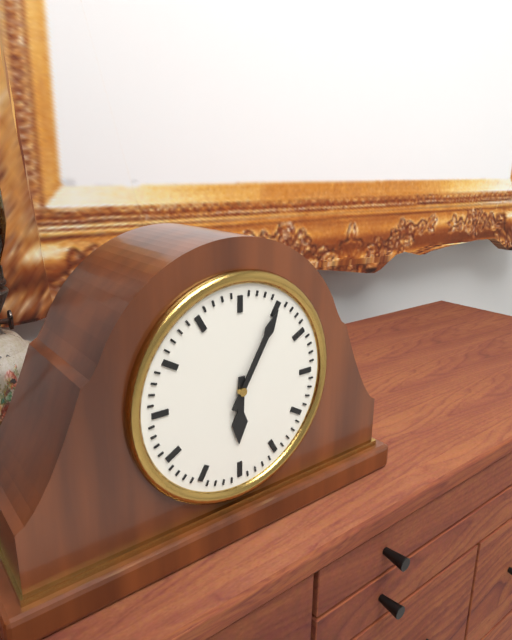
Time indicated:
**6:05**
